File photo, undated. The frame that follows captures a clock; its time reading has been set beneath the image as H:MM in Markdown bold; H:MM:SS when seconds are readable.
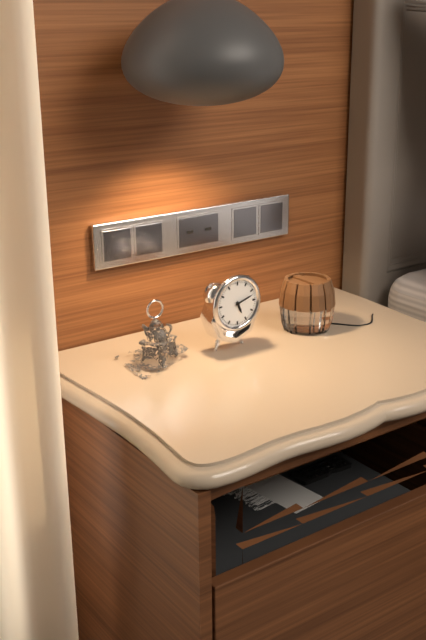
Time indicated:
**5:12**
